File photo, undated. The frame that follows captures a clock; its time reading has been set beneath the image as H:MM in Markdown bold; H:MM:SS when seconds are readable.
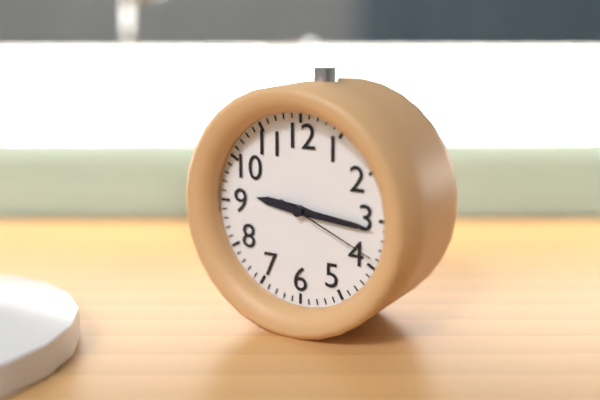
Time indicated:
**9:16:19**
